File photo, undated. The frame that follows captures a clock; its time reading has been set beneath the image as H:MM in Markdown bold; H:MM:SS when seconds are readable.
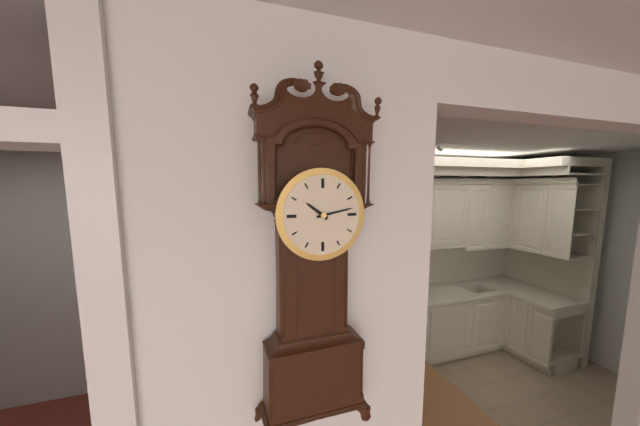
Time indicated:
**10:13**
